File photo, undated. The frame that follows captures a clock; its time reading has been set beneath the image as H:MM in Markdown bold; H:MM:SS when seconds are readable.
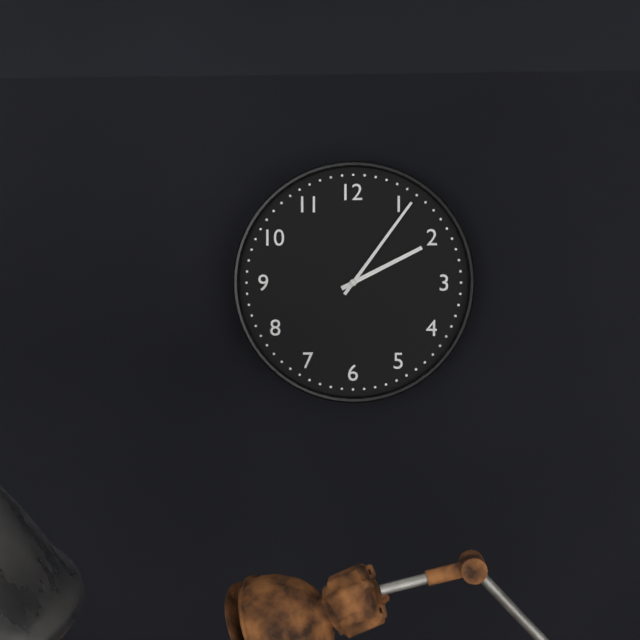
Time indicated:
**2:06**
